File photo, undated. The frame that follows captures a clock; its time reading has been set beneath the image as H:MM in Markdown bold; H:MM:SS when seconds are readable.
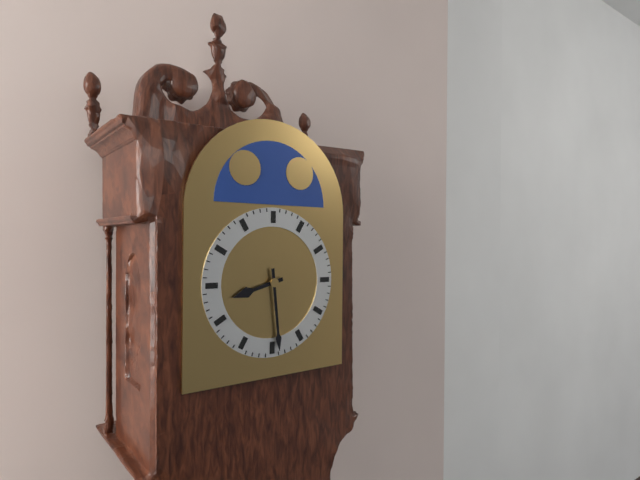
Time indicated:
**8:29**
